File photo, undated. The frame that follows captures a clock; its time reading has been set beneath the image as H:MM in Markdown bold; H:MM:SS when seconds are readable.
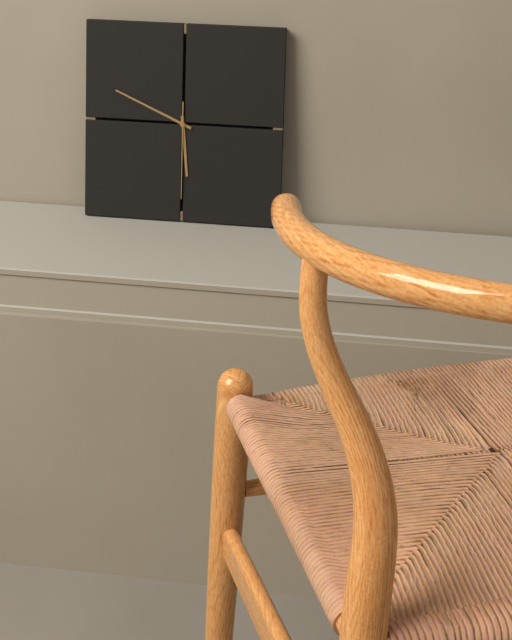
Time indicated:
**5:49:30**
